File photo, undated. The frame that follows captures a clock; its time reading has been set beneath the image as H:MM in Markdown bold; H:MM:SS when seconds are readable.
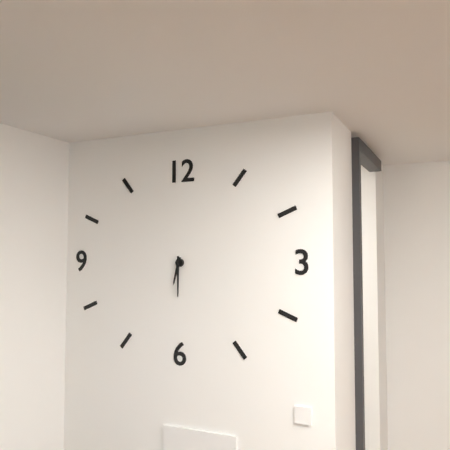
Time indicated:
**6:30**
